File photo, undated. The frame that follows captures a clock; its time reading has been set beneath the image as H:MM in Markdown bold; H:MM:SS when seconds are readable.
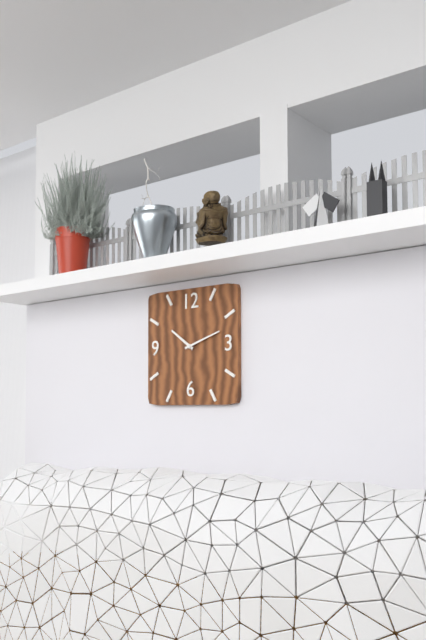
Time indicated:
**10:12**
